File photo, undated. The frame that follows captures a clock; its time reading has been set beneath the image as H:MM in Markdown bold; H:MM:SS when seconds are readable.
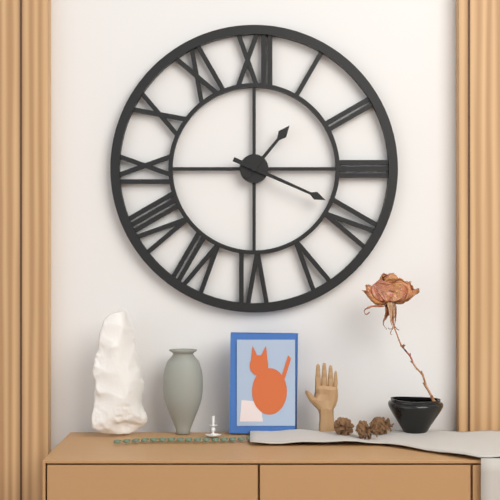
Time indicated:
**1:19**
